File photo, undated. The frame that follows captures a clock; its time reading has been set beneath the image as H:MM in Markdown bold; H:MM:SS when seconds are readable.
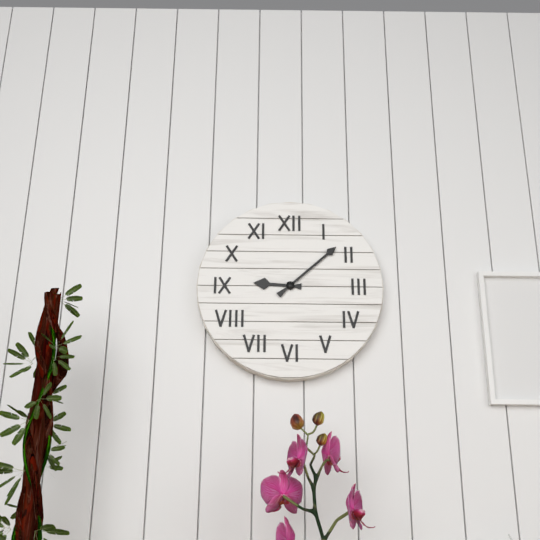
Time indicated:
**9:08**
